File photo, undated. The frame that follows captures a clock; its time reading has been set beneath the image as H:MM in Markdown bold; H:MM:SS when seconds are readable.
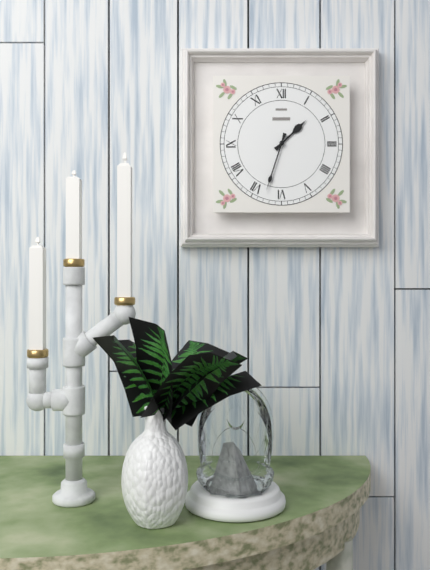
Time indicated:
**1:33**
